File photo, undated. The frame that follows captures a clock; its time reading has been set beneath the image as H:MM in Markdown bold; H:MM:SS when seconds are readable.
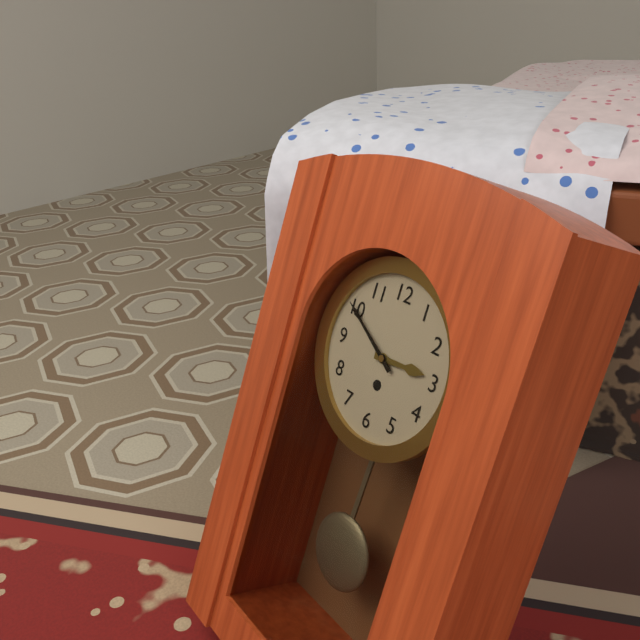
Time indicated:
**2:50**
